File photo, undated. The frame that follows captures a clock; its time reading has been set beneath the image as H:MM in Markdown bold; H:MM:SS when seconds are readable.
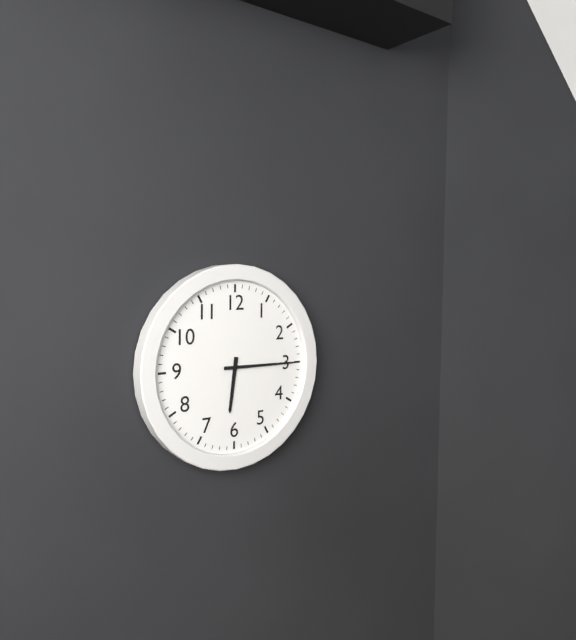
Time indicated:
**6:15**
